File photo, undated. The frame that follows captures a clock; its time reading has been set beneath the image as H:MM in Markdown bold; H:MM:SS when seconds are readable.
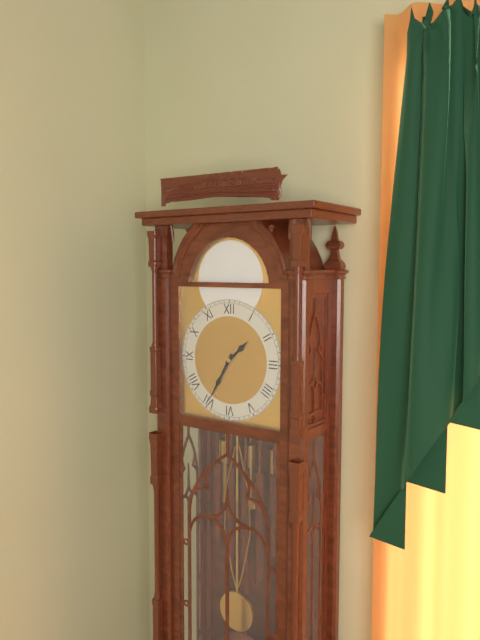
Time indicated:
**1:35**
